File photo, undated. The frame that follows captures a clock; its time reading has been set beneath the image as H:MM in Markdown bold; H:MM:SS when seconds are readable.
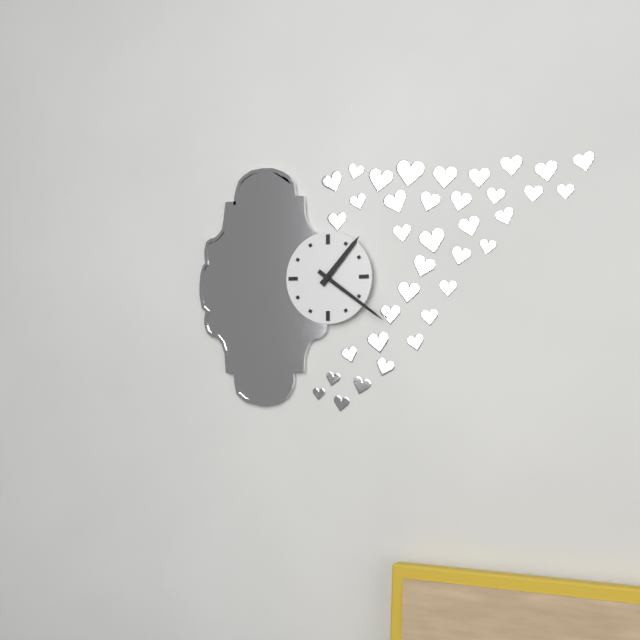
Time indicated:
**1:21**
